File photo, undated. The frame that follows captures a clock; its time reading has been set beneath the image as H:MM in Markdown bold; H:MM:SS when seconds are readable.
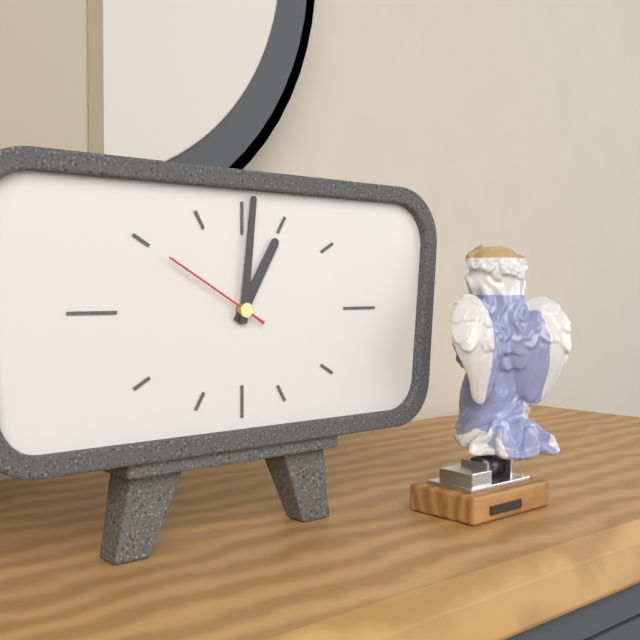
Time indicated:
**1:01:50**
